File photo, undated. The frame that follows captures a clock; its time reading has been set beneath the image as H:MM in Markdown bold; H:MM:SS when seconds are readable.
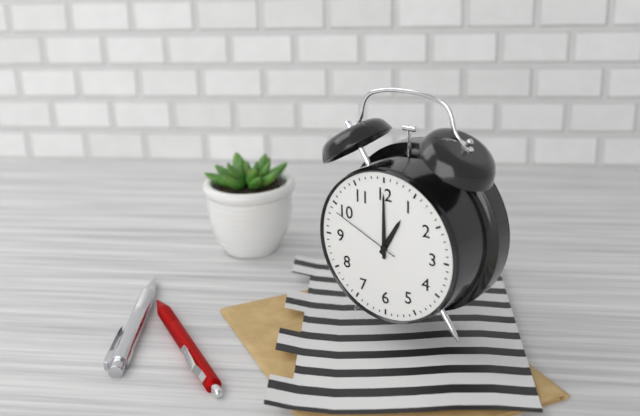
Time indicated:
**1:00:49**
